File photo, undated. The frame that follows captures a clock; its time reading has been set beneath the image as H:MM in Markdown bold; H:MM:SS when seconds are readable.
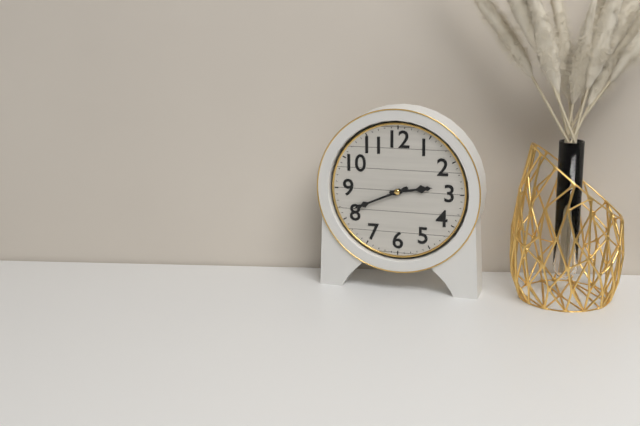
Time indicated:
**2:41**
